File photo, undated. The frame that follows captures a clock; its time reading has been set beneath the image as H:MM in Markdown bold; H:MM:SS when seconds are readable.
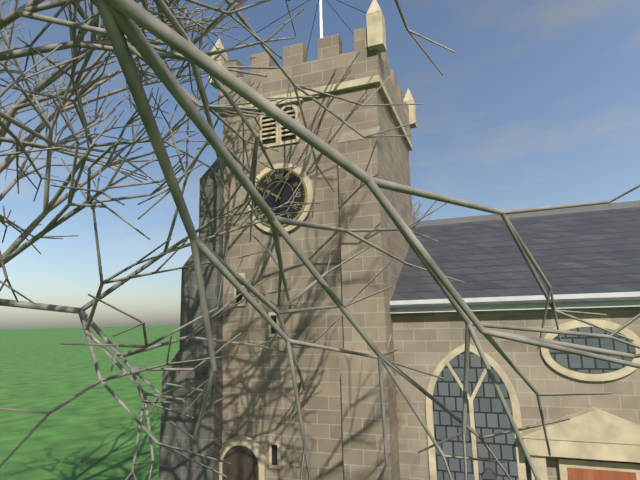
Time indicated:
**10:05**
